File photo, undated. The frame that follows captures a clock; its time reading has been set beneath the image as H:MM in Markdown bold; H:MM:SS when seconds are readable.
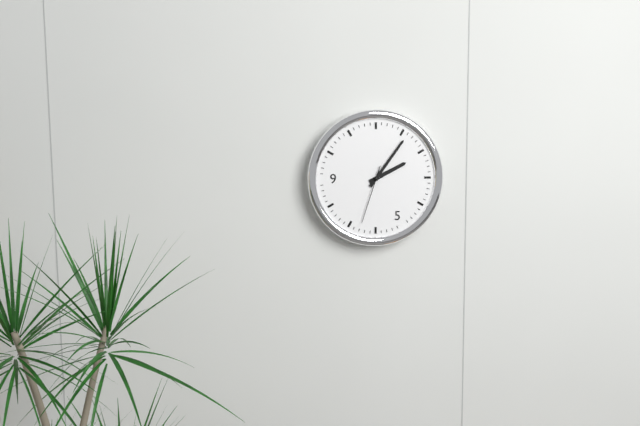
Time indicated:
**2:06:33**
